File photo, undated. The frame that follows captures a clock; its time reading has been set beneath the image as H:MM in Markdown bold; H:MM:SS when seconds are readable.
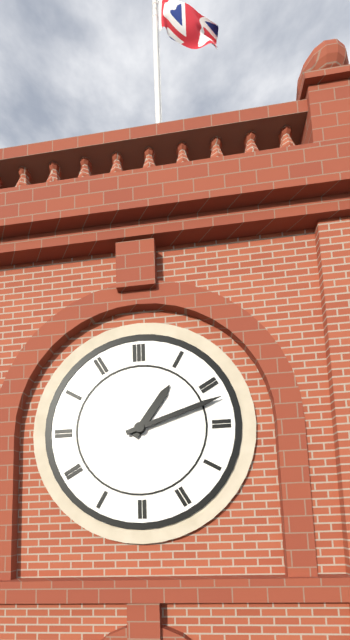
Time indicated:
**1:12**
